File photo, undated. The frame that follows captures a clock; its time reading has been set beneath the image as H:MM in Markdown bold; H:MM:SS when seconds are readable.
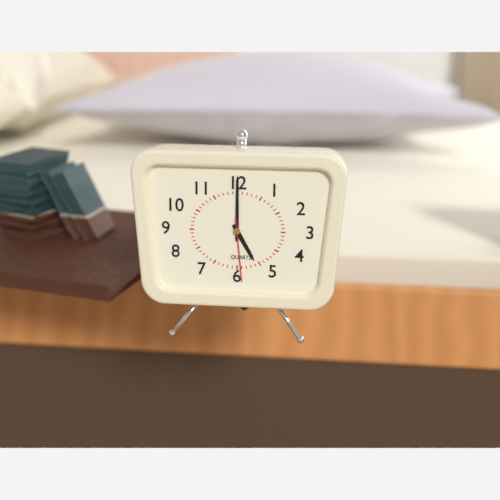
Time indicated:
**5:00:29**
